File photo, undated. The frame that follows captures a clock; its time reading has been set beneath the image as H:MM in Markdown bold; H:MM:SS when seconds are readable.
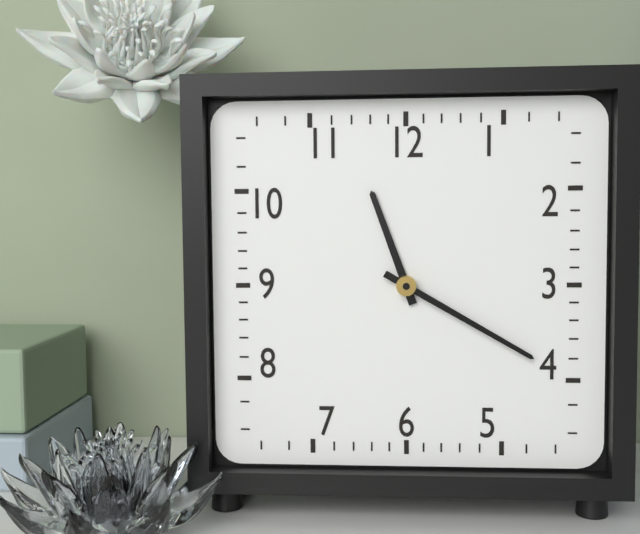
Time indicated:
**11:20**
